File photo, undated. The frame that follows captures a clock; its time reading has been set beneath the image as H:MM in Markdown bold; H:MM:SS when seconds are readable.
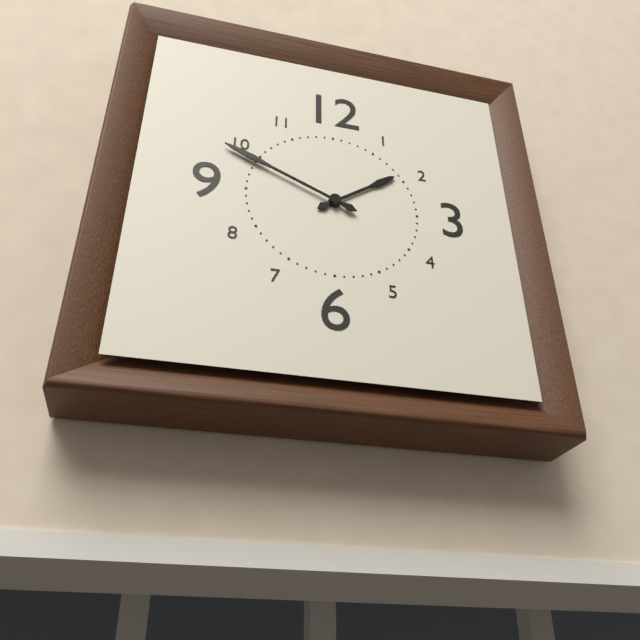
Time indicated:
**1:49**
